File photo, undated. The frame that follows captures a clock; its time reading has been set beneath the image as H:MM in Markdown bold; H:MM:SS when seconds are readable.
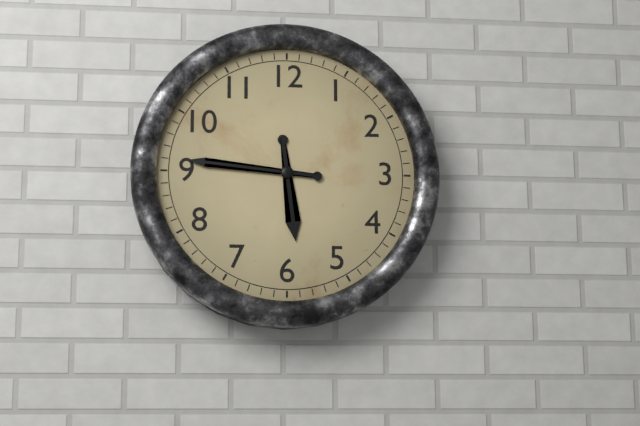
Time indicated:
**5:46**
